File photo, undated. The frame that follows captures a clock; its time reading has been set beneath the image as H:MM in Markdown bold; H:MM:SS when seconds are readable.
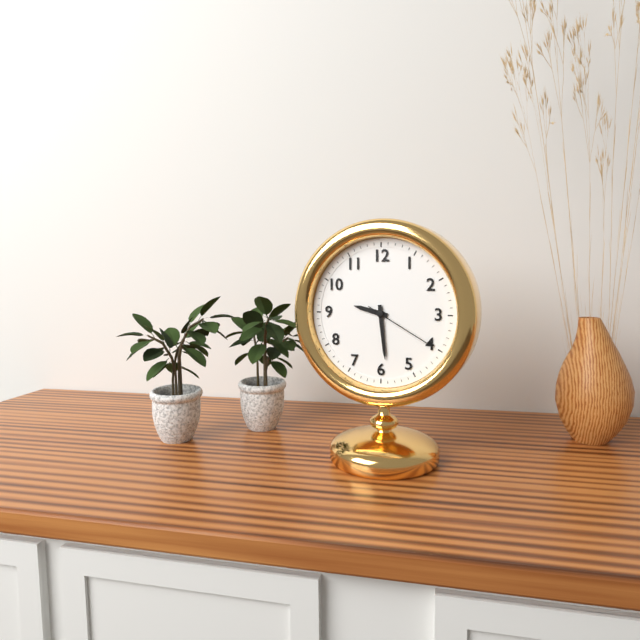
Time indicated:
**9:29:20**
